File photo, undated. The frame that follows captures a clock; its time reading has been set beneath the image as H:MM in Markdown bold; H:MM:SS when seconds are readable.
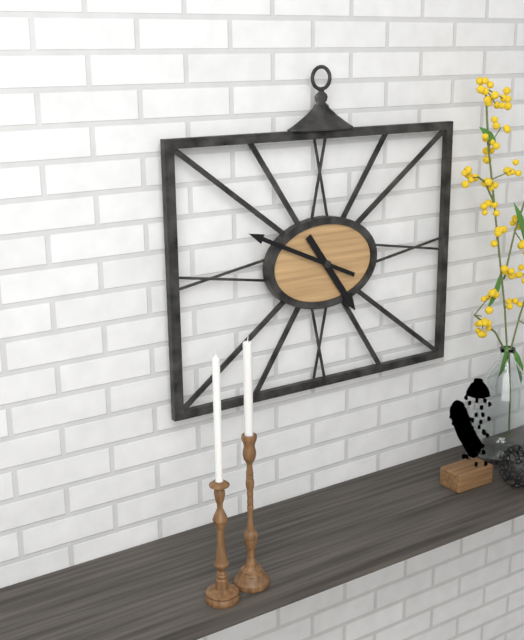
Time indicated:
**4:49**
